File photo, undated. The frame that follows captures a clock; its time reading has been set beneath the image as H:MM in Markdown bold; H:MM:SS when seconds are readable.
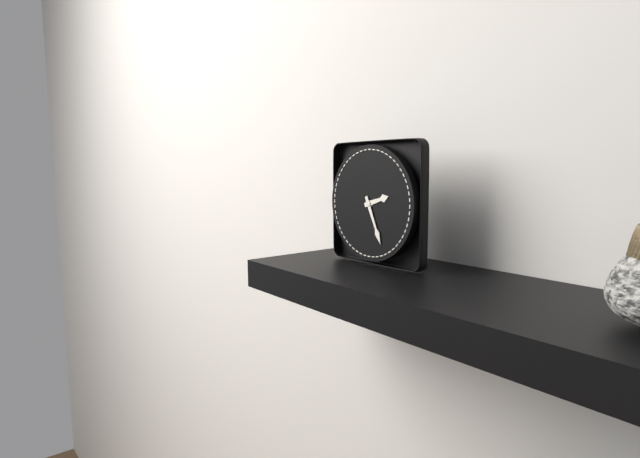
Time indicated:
**2:26**
